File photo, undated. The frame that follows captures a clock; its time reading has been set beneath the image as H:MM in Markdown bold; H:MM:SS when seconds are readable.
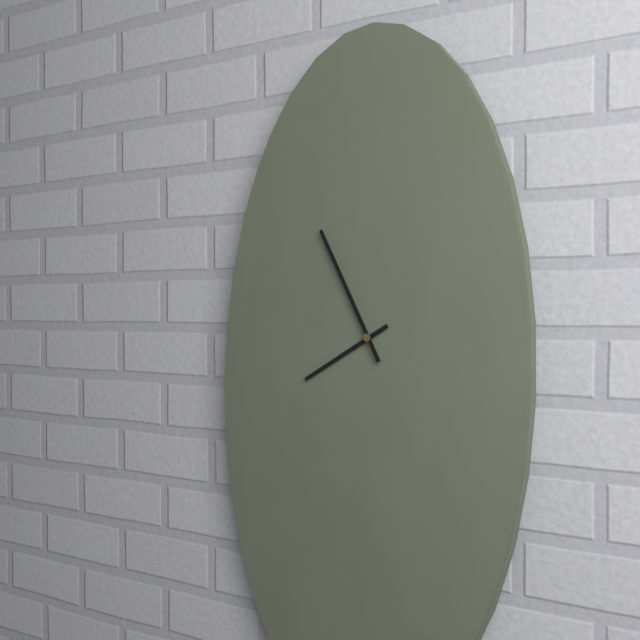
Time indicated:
**7:55**
